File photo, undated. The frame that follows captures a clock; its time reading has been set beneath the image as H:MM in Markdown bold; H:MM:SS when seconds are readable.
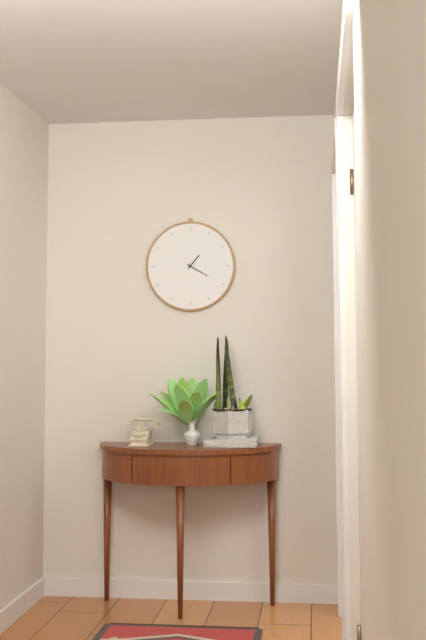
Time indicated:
**1:20**
